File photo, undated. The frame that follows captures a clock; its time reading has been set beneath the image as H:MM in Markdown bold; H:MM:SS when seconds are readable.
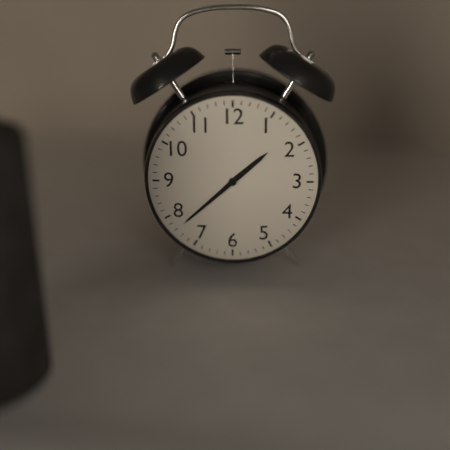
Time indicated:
**1:38**
